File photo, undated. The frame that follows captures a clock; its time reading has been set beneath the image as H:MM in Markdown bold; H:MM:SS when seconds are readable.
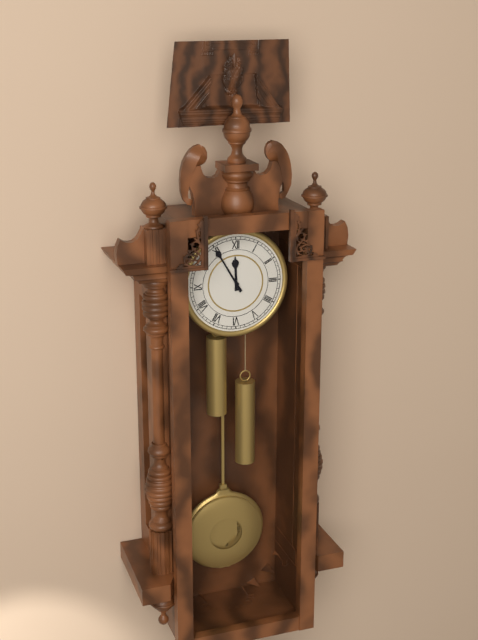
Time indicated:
**11:55**
